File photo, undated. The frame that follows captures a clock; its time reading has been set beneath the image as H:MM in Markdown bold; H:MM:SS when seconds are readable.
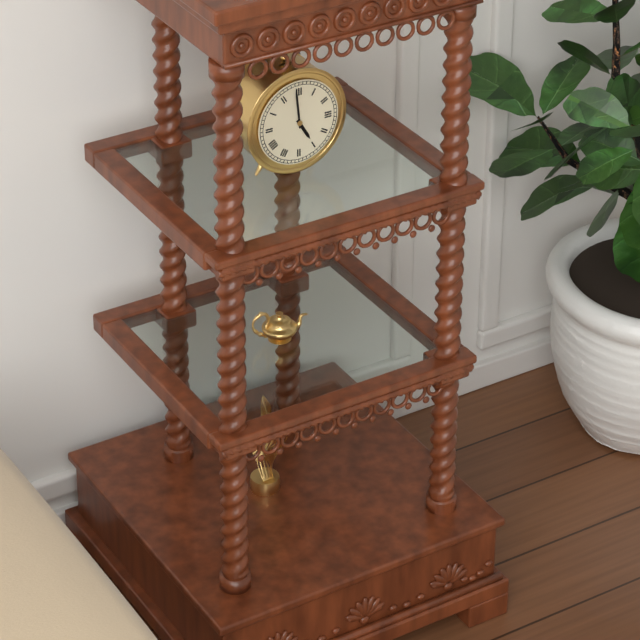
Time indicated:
**4:59**
